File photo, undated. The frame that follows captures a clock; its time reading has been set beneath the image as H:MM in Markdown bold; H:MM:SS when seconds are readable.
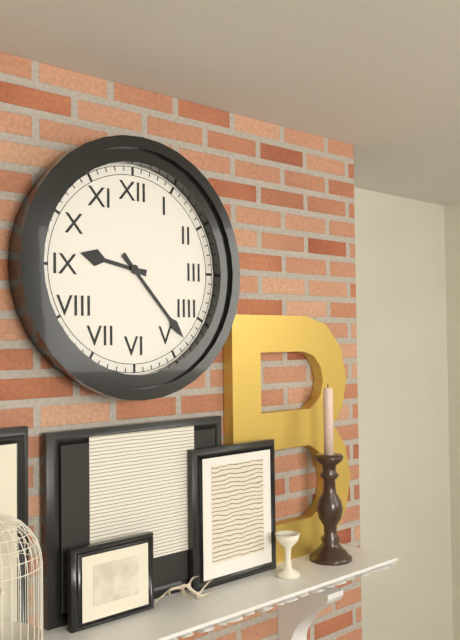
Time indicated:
**9:23**
